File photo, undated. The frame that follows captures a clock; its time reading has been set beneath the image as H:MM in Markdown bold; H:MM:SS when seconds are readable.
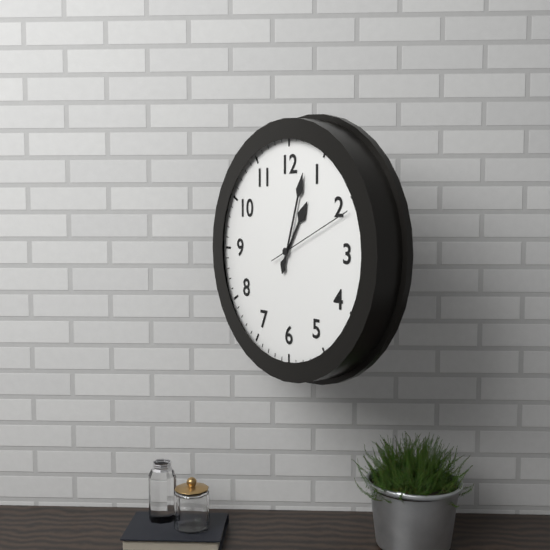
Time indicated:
**1:03:11**
